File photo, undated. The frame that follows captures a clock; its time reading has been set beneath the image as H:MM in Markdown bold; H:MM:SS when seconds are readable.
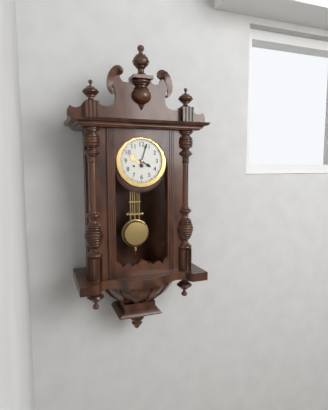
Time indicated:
**4:03**
